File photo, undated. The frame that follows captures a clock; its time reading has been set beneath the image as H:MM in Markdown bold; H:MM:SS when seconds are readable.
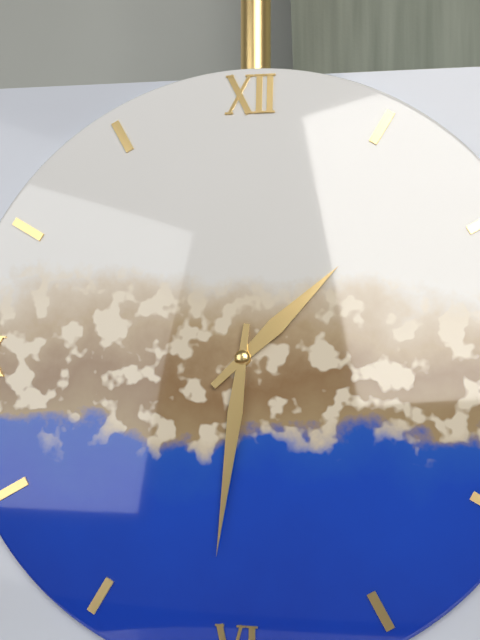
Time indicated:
**1:31**
